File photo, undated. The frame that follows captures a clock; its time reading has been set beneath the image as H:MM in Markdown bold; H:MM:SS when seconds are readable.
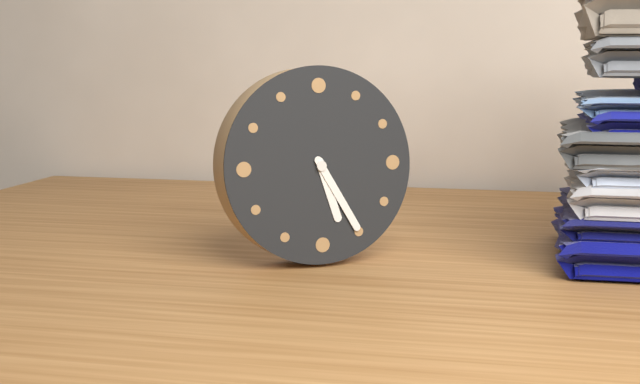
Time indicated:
**5:25**
